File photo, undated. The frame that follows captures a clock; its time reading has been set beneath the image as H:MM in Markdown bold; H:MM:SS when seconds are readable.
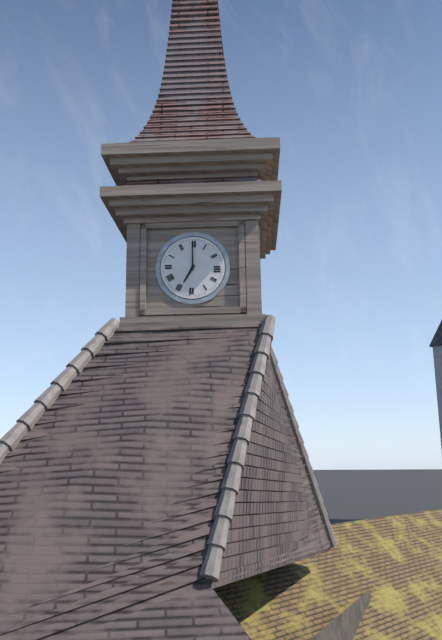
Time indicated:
**7:00**
